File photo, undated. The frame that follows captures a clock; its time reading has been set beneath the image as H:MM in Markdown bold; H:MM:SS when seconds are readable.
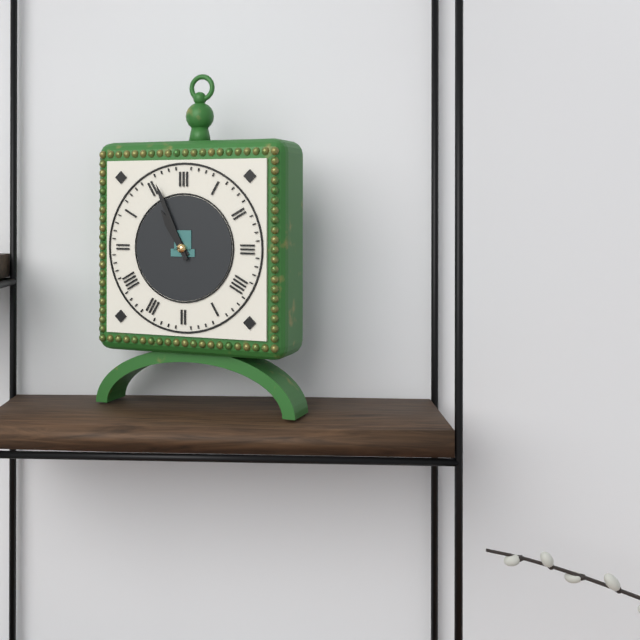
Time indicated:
**10:56**
